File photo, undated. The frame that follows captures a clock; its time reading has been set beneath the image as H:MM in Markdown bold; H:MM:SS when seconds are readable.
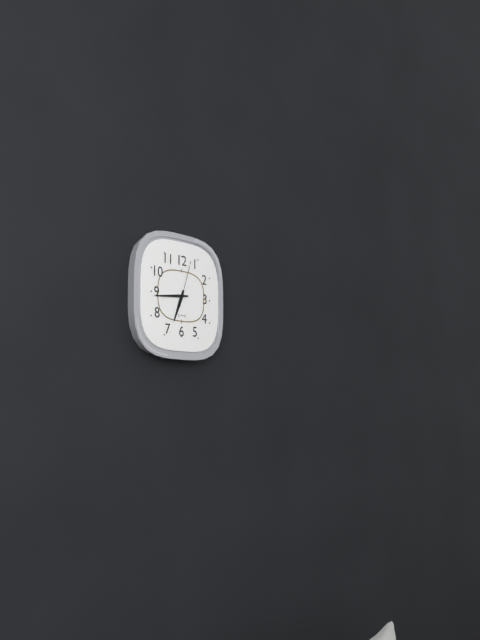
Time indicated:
**6:44**
